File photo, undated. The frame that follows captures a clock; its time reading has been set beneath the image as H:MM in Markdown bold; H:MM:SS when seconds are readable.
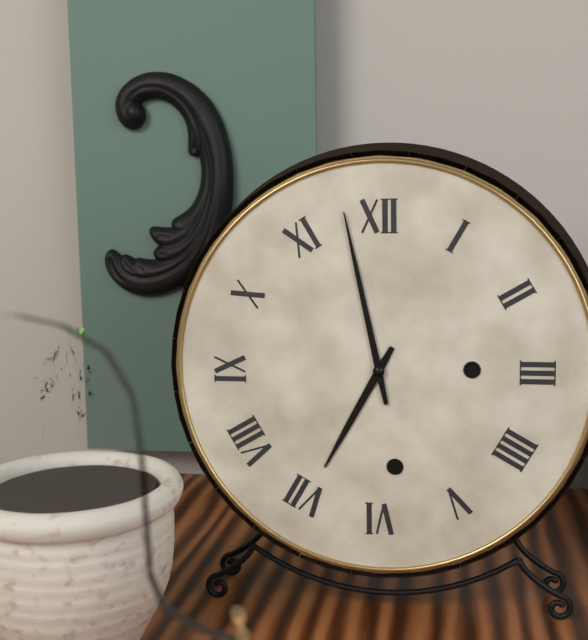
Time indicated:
**6:58**
